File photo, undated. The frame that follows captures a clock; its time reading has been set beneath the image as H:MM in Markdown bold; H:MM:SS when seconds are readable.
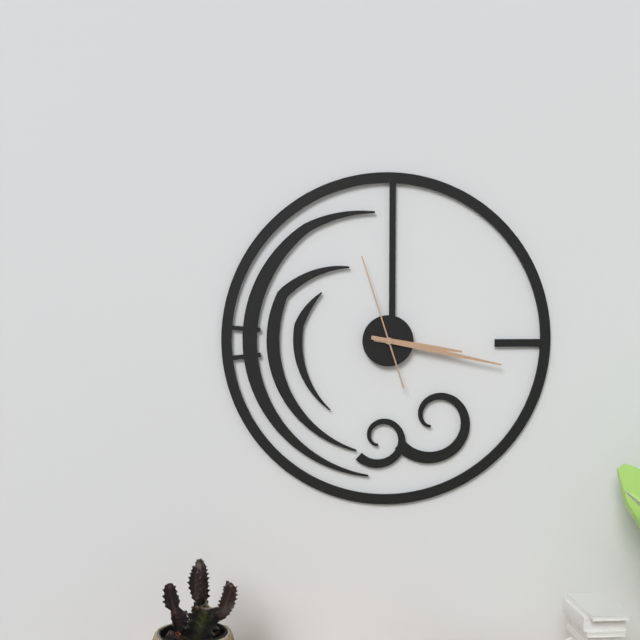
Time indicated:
**3:17:57**
